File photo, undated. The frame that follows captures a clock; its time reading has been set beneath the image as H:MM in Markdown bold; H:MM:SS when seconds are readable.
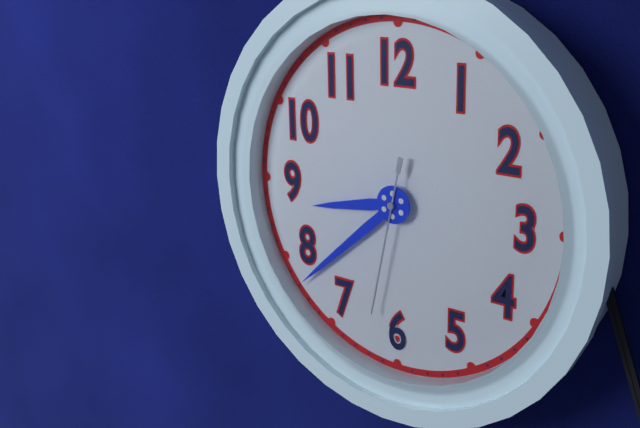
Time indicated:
**8:38:32**
